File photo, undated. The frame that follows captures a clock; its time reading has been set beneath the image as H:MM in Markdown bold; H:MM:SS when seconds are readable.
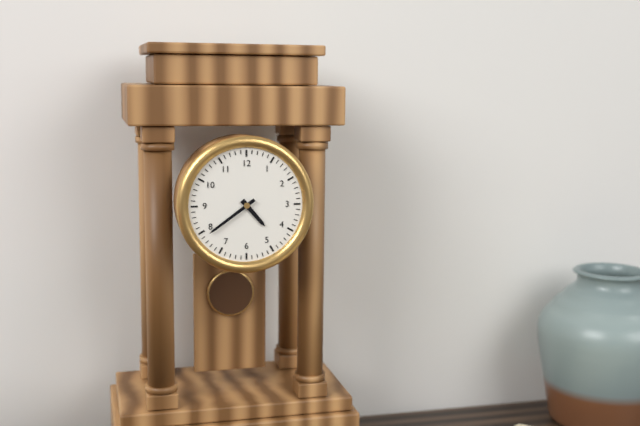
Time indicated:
**4:39**
